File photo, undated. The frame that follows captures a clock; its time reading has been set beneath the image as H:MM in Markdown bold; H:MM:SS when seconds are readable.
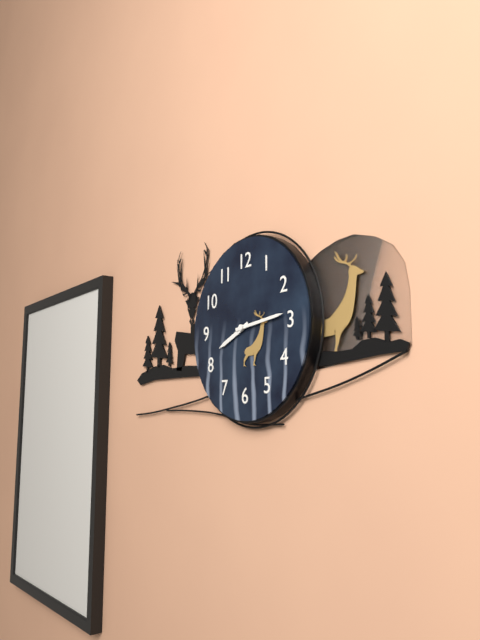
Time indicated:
**8:14**
